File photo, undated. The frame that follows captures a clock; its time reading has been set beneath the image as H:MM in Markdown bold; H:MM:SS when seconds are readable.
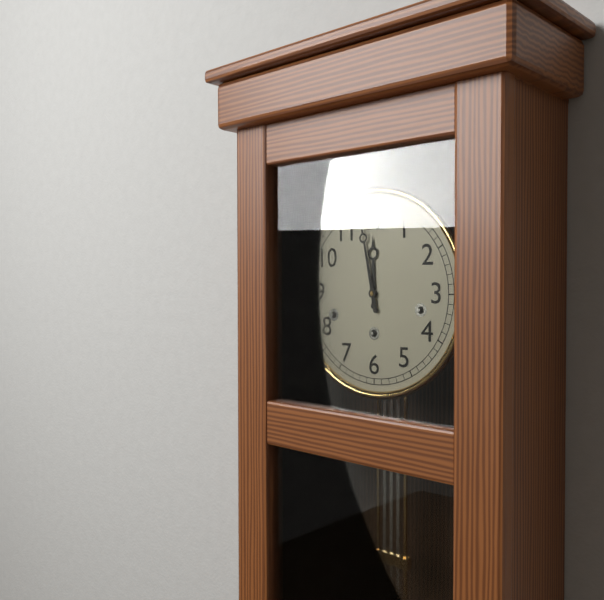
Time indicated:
**11:58**
